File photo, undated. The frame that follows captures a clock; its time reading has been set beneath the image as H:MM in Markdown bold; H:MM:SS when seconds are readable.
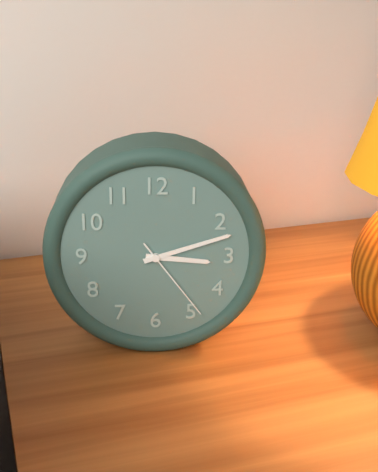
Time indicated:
**3:12:24**
